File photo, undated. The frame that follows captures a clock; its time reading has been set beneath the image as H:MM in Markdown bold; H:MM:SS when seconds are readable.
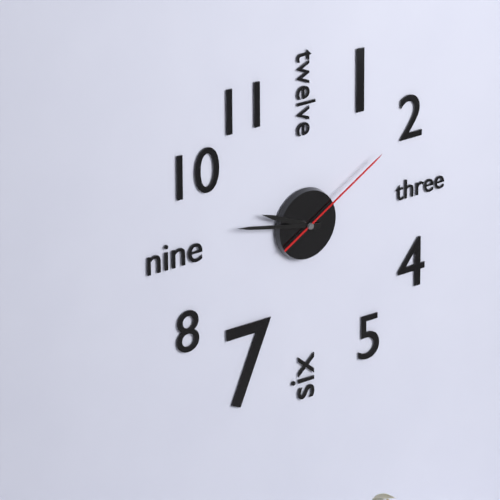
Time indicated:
**9:47:10**
